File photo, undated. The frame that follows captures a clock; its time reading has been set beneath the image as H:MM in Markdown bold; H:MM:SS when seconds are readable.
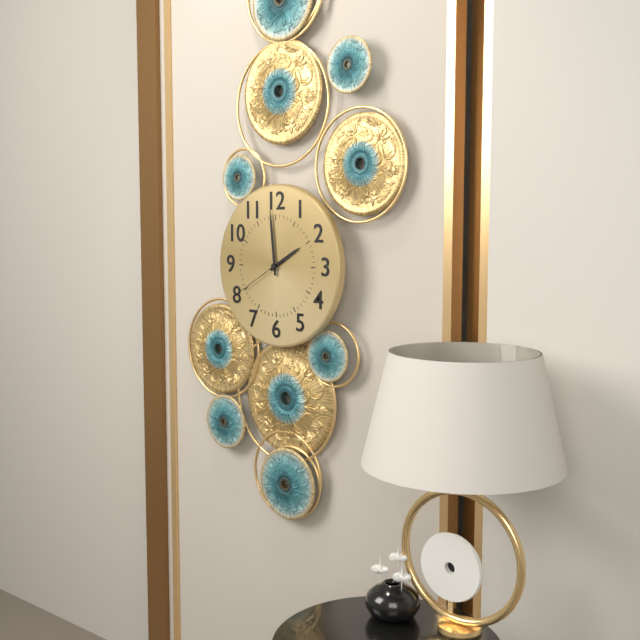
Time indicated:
**1:59:40**
